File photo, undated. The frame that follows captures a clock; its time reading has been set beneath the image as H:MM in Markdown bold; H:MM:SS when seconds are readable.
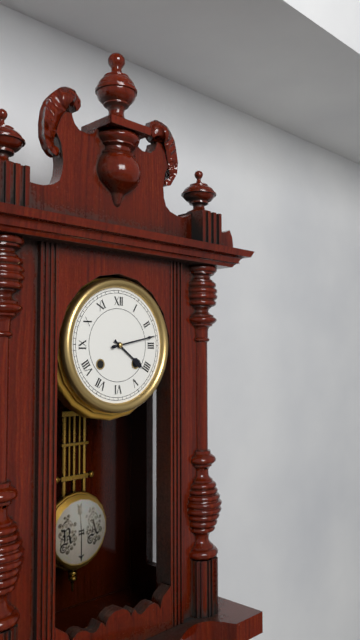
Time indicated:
**4:13**
